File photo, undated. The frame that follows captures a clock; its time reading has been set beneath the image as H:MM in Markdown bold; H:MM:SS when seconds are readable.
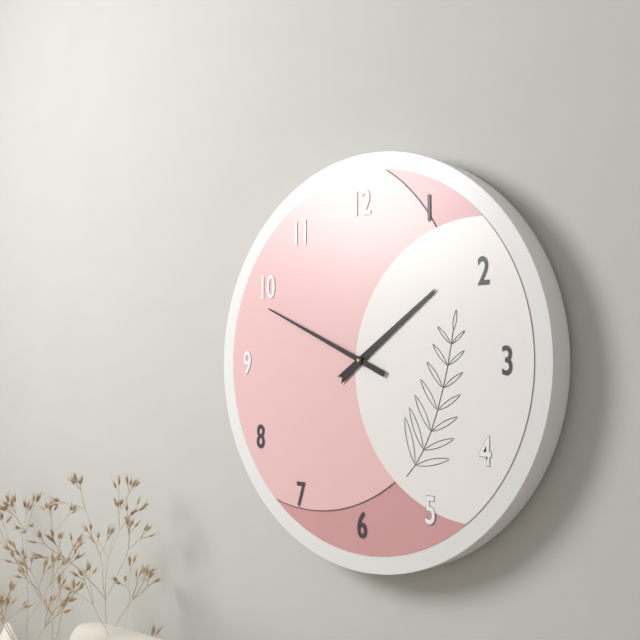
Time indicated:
**1:49**
